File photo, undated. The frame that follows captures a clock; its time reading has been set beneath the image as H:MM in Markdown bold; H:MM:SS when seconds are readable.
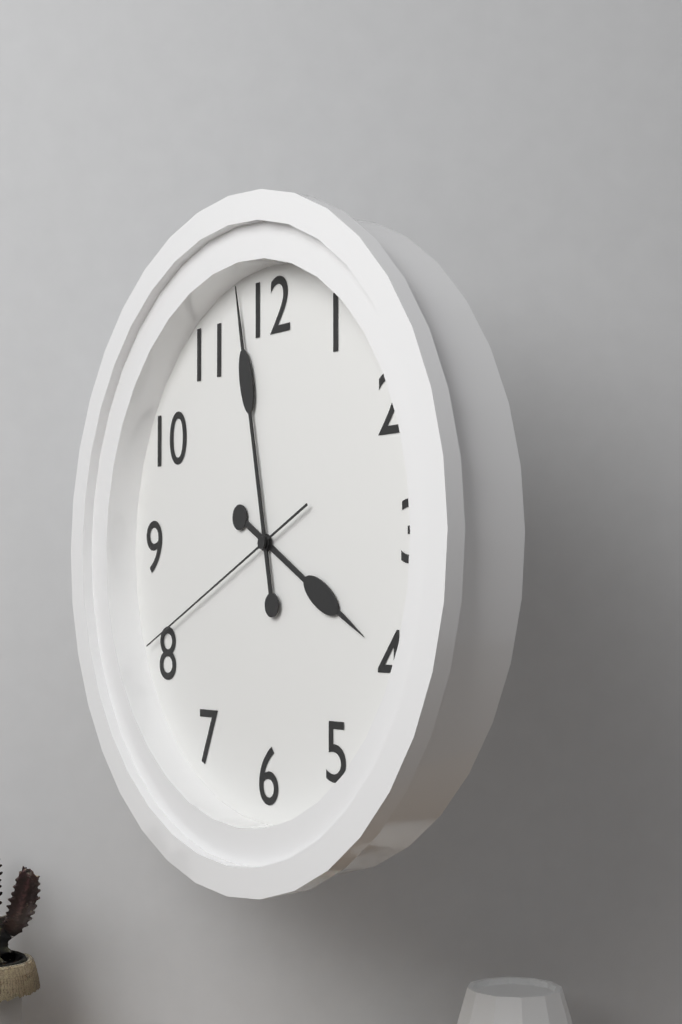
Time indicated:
**3:58:41**
